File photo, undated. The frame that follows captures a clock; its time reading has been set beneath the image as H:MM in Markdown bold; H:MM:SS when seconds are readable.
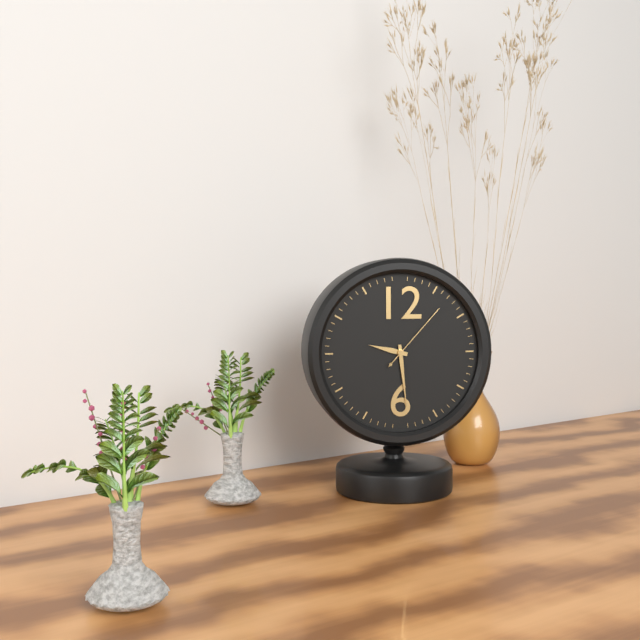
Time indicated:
**9:29:07**
